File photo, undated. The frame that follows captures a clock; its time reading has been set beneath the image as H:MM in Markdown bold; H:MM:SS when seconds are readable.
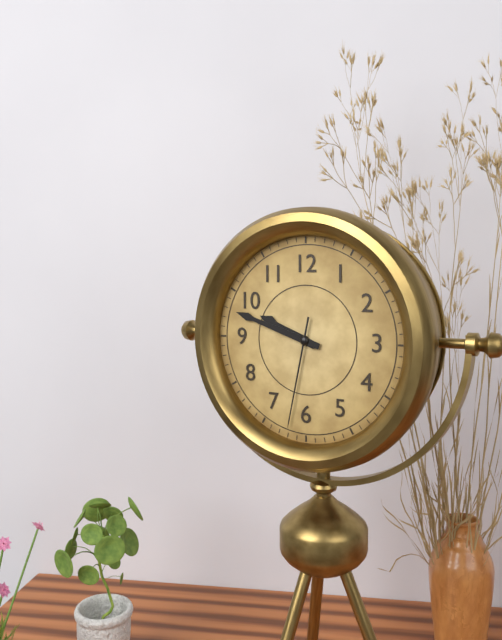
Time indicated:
**9:48:32**
